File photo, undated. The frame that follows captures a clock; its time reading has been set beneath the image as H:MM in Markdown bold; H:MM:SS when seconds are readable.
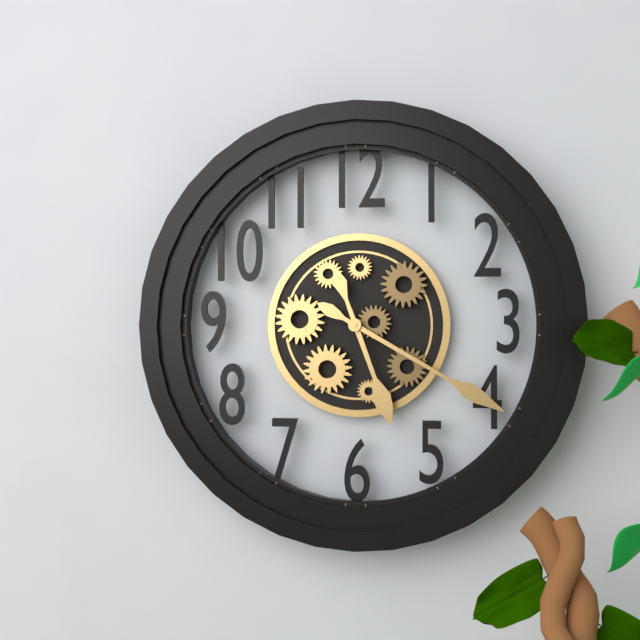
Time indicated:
**5:20**
